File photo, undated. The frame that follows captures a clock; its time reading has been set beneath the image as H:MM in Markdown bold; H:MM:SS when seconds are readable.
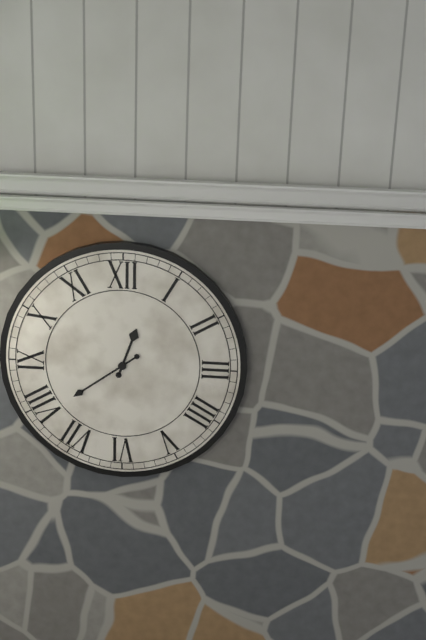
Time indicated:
**12:39**
